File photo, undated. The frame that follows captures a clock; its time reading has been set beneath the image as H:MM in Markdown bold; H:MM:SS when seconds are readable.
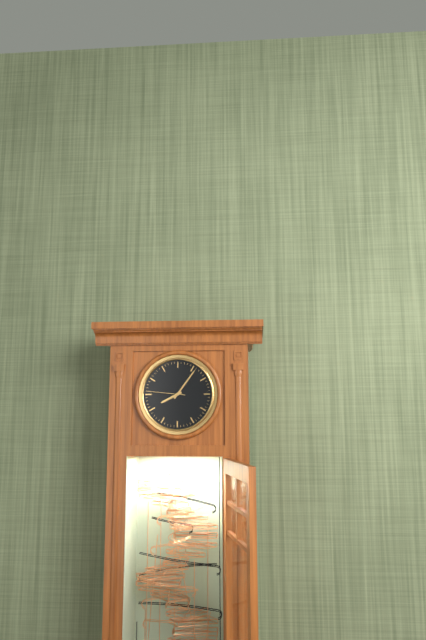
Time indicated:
**8:06**
